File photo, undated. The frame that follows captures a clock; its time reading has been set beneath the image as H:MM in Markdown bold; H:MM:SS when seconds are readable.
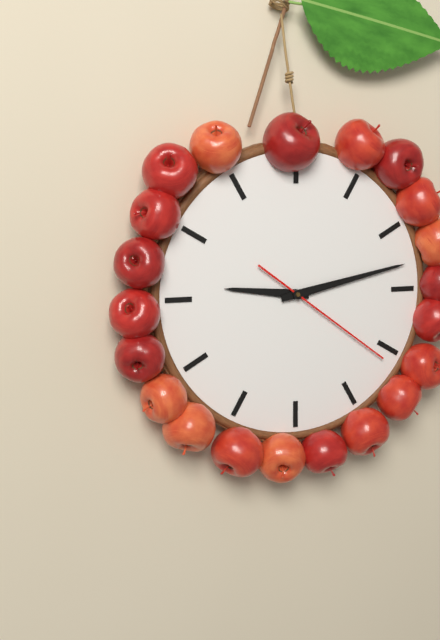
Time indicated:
**9:13:21**
